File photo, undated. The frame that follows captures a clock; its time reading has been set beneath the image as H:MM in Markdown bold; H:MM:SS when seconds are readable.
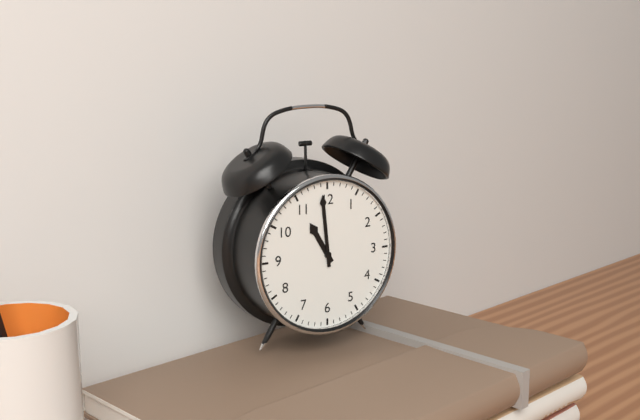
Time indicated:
**10:59**
